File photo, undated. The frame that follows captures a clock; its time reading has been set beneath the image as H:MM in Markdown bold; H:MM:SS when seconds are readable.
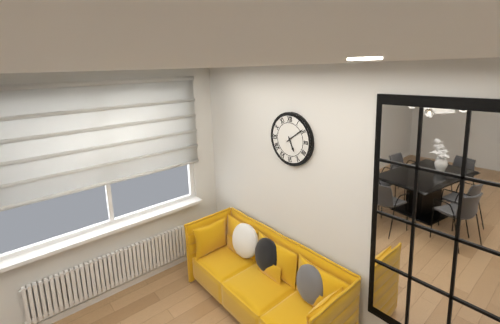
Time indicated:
**5:09**
